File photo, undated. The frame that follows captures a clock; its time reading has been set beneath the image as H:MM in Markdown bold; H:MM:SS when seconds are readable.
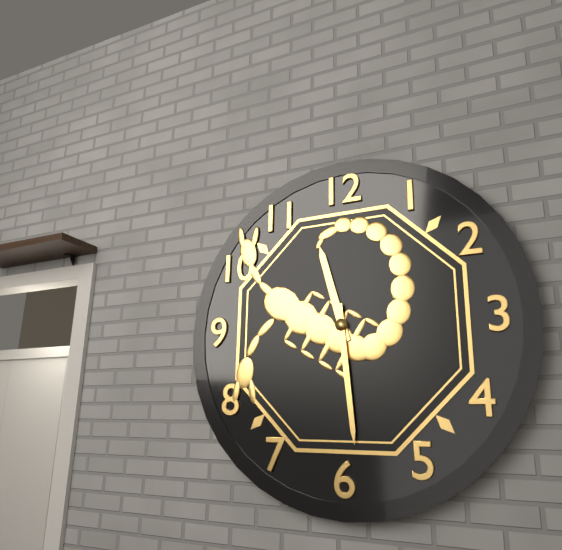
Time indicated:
**11:29**
